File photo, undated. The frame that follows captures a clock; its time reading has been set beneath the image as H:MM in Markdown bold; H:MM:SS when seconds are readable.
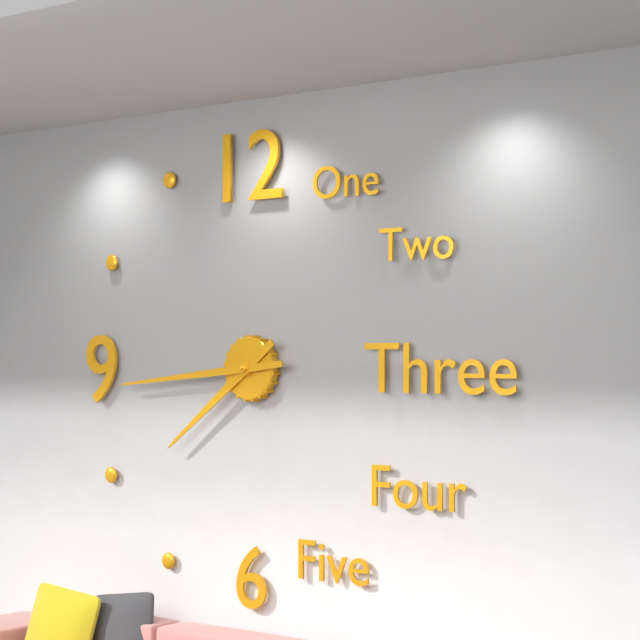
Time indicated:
**7:44**
